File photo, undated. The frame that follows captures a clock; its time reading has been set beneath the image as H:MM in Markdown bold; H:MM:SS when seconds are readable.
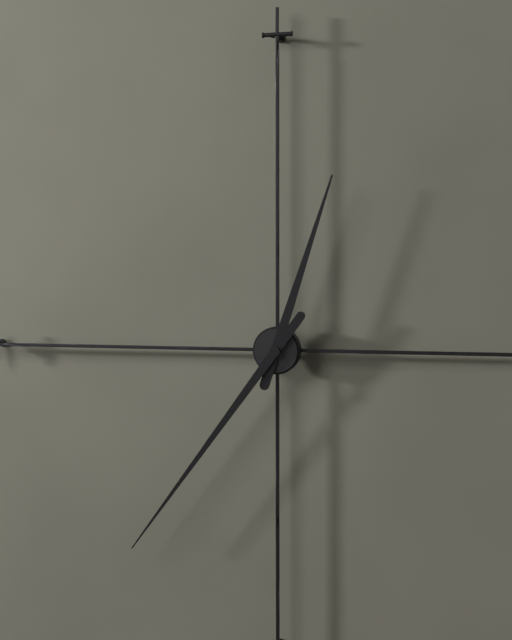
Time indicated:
**12:36**
